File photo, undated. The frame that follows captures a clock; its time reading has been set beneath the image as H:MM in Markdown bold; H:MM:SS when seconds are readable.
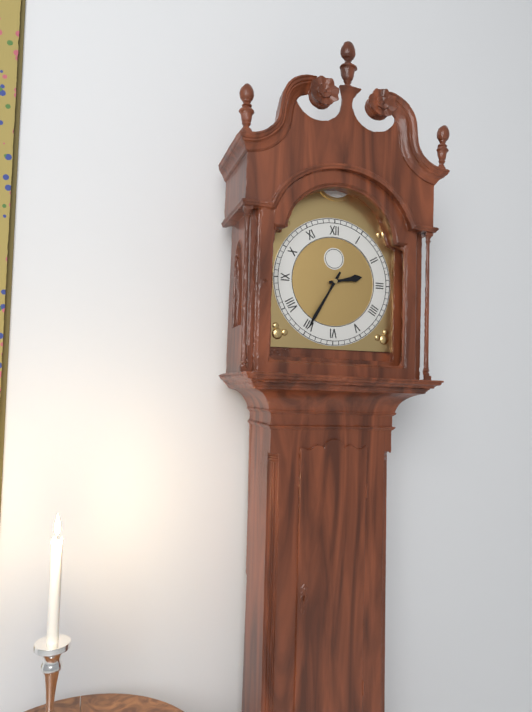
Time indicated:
**2:35**
